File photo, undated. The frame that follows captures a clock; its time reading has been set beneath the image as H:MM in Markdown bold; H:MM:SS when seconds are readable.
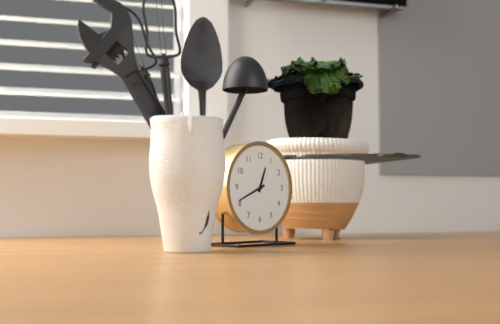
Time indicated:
**12:41**
